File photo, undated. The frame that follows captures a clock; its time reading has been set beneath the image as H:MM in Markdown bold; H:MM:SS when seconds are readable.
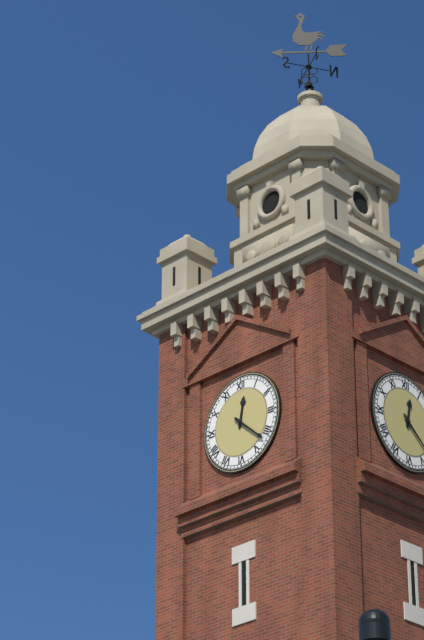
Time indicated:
**12:22**
